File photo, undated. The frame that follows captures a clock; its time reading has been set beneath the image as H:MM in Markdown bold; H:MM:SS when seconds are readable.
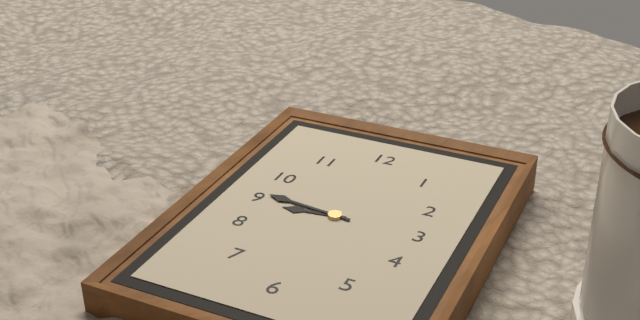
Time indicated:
**8:46**
